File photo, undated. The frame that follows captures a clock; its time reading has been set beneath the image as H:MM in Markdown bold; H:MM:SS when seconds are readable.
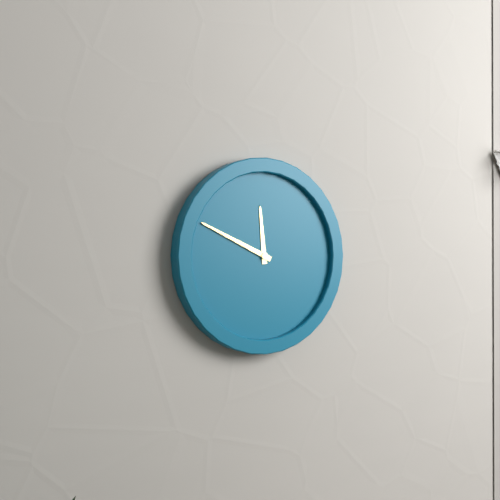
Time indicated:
**11:49**
